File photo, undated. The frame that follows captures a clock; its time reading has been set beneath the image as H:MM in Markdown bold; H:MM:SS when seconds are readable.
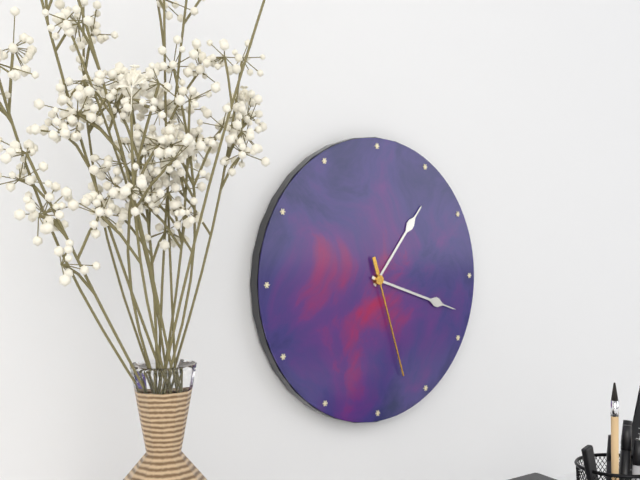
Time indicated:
**1:18:27**
